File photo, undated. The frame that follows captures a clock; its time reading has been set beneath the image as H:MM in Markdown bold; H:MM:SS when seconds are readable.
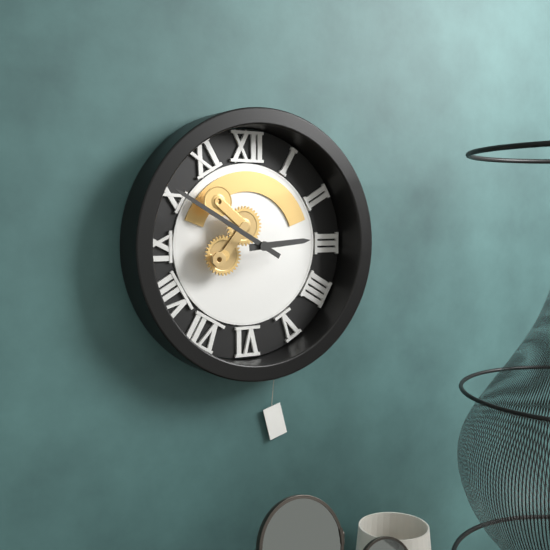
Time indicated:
**2:50**
